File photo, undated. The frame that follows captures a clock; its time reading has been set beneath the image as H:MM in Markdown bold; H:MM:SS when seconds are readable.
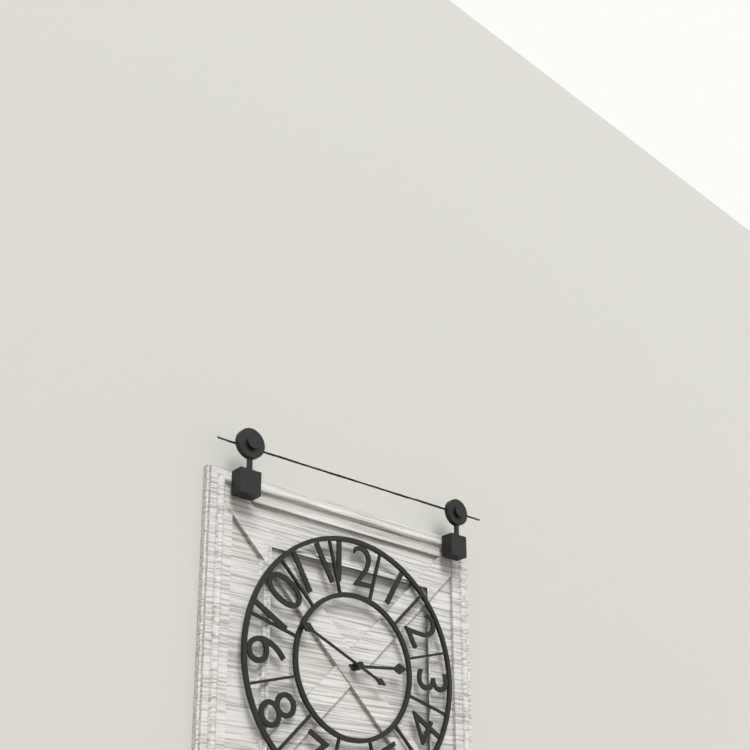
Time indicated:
**2:49**
